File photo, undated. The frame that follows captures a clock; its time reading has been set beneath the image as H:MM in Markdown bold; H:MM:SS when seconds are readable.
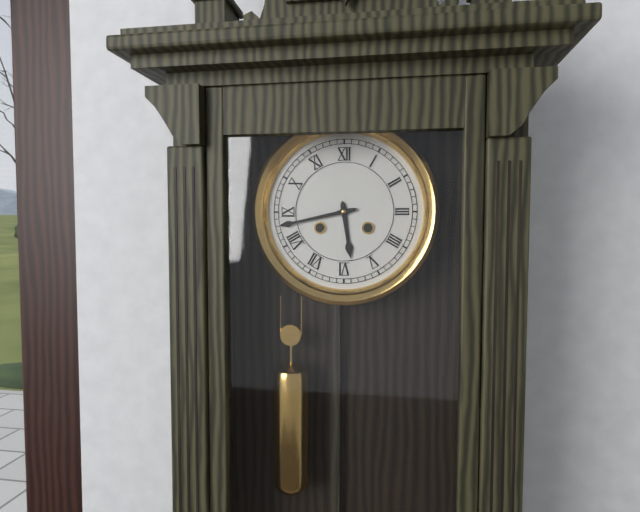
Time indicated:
**5:43**
